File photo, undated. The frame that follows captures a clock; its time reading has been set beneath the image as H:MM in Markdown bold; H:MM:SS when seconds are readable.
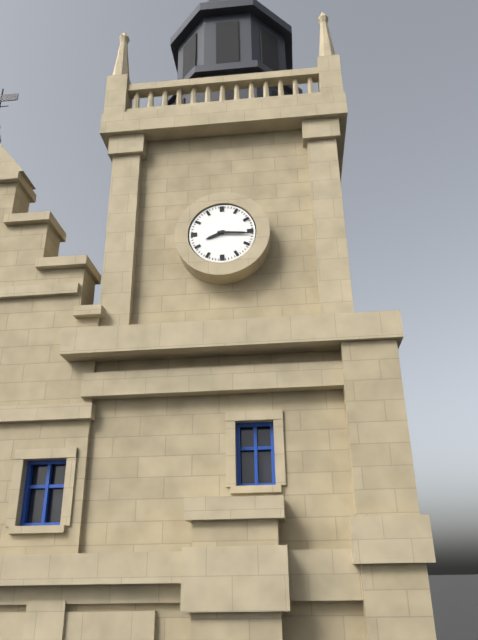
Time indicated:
**8:16**
